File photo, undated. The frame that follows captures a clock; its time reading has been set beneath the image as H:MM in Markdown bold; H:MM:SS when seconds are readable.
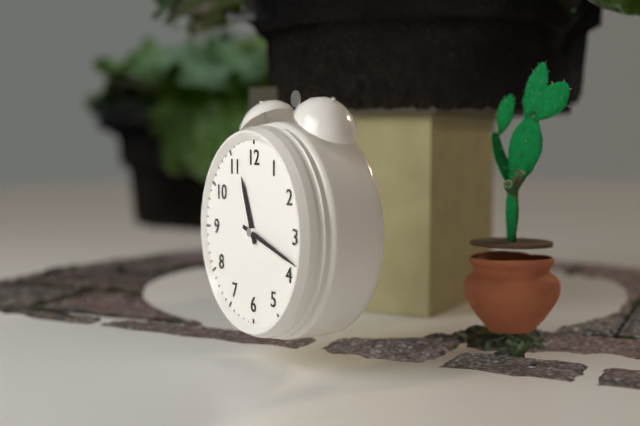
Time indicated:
**11:18**
